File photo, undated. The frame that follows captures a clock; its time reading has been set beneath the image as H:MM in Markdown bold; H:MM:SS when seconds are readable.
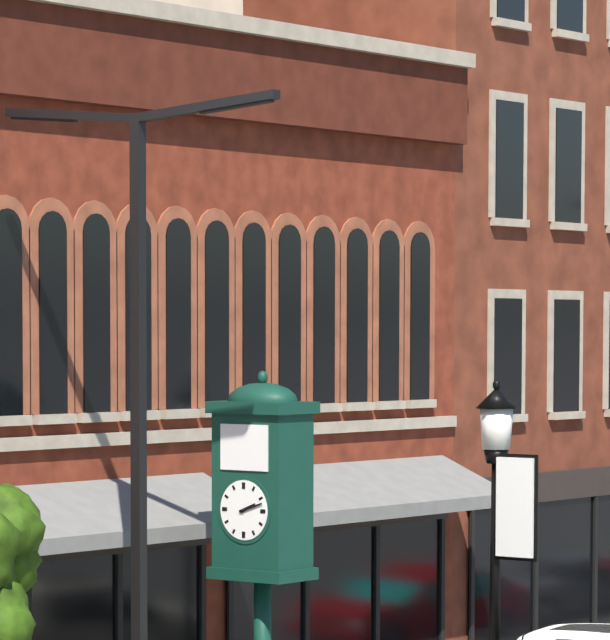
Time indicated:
**2:12**
